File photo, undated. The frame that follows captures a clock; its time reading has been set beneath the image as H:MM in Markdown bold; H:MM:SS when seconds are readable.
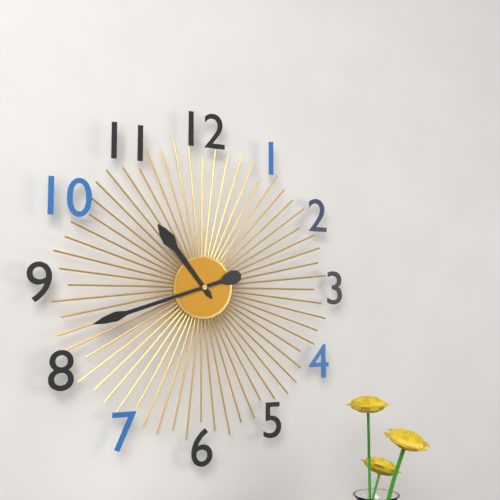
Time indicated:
**10:42**
